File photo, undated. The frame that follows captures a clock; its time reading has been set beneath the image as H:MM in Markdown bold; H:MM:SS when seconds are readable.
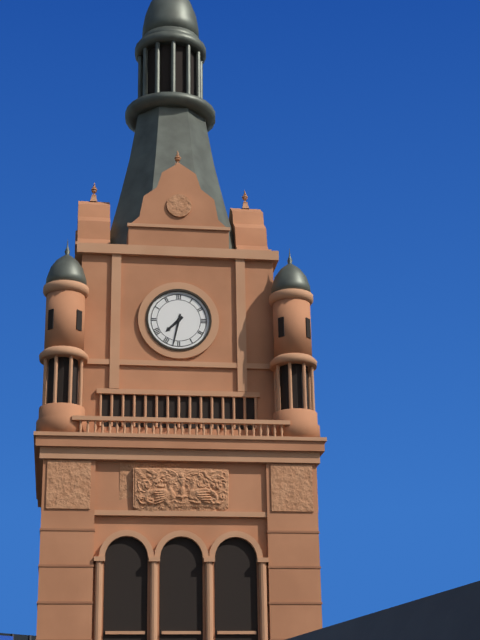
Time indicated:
**7:32**
